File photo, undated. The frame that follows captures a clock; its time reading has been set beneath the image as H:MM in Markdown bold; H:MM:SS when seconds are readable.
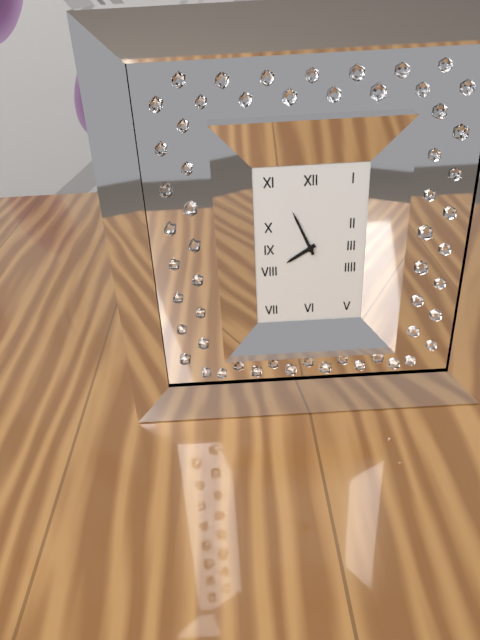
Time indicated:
**7:56**
